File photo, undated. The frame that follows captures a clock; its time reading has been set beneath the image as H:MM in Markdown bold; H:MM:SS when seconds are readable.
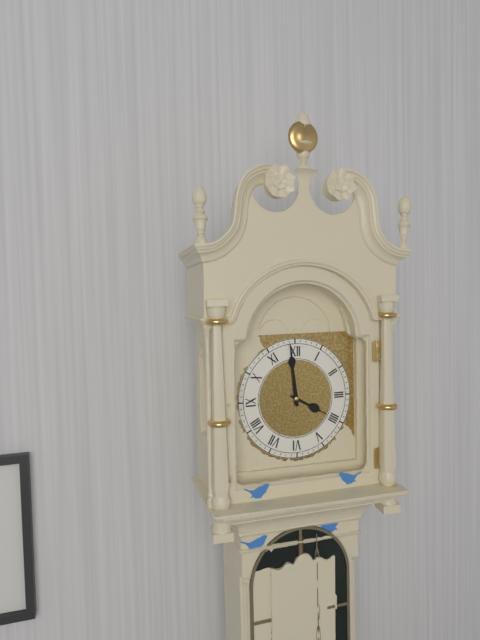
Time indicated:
**3:59**
